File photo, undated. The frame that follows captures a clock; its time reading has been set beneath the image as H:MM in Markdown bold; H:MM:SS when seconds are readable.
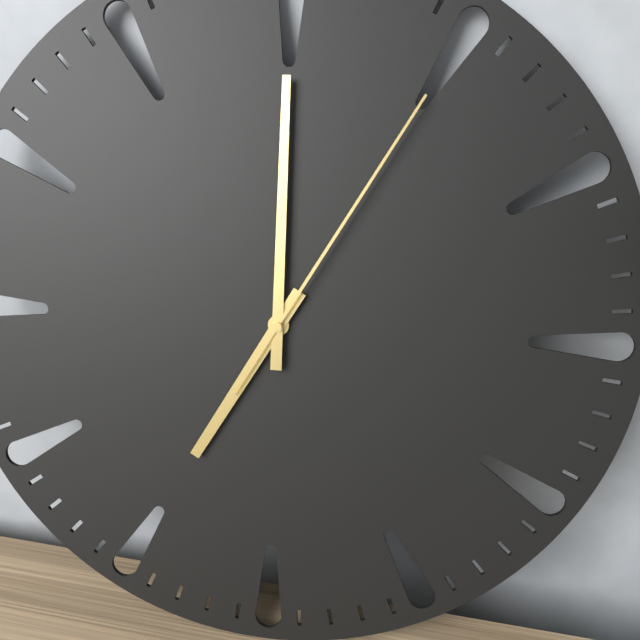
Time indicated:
**7:00:05**
